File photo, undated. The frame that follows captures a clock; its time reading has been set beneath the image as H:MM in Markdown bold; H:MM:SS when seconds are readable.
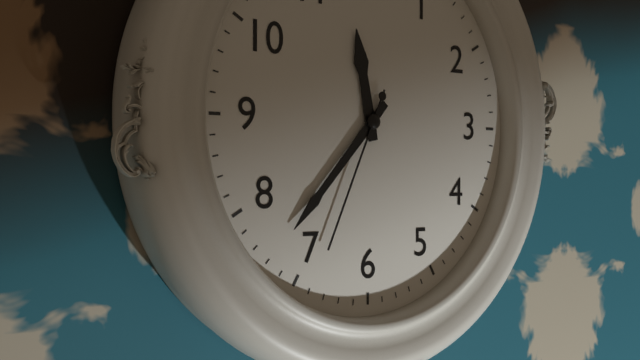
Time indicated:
**11:37:34**
